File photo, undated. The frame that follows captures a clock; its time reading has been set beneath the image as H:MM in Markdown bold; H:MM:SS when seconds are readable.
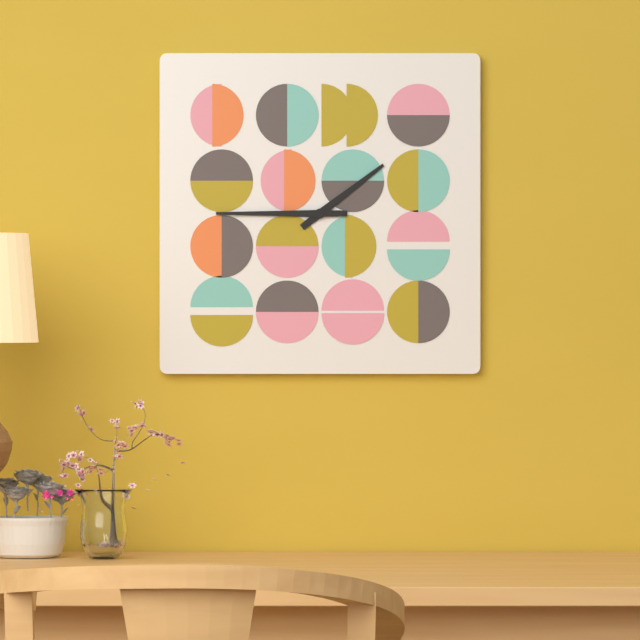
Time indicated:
**1:45**
